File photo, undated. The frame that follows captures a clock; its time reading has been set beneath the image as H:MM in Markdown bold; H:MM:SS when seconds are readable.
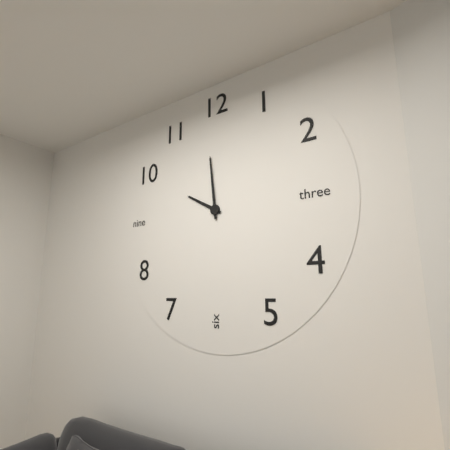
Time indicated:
**9:59**
